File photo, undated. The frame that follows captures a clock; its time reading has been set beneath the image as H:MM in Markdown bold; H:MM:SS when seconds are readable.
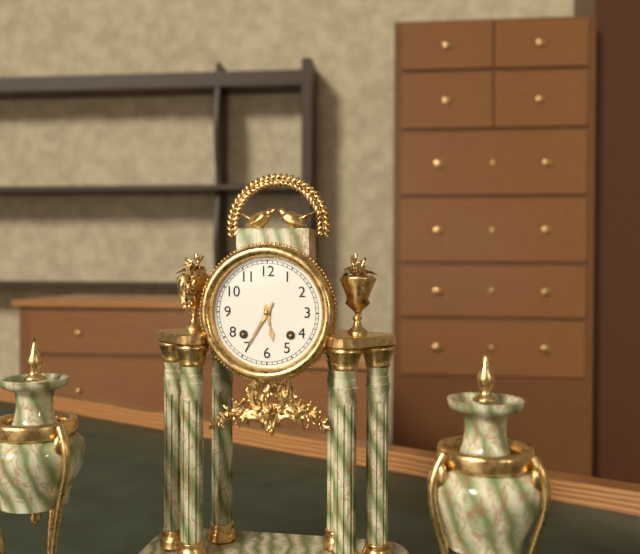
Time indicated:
**5:35**
